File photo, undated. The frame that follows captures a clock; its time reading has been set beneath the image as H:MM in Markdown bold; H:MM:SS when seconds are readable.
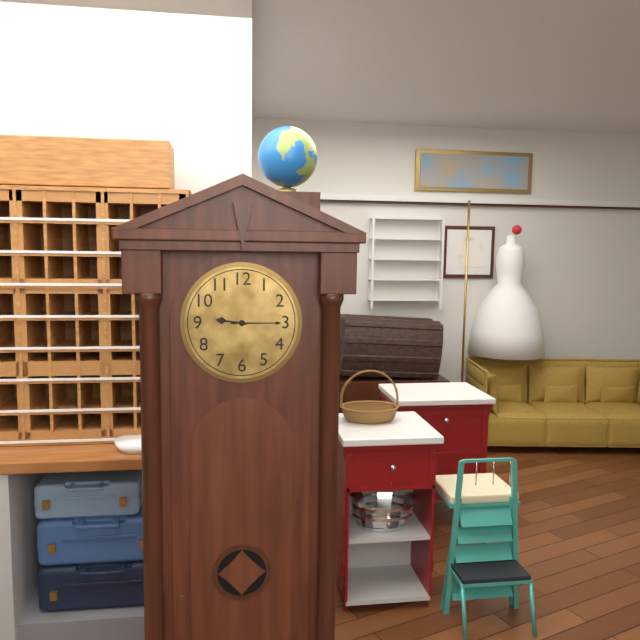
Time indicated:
**9:15**
